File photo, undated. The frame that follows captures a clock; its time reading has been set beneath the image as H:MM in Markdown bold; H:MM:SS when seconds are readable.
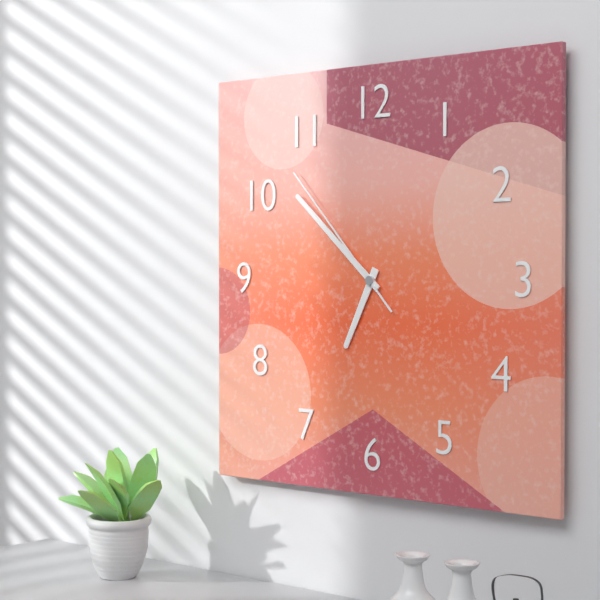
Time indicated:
**6:52:53**
